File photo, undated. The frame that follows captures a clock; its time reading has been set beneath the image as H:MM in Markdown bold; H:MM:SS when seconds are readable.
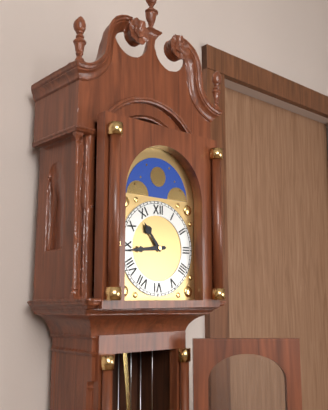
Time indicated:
**10:44**
